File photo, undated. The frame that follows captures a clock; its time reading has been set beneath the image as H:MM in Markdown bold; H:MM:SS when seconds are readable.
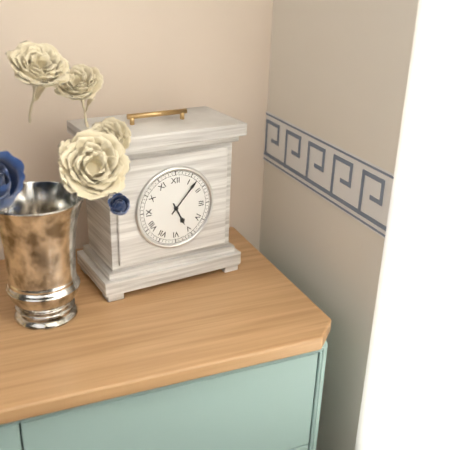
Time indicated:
**5:07**
